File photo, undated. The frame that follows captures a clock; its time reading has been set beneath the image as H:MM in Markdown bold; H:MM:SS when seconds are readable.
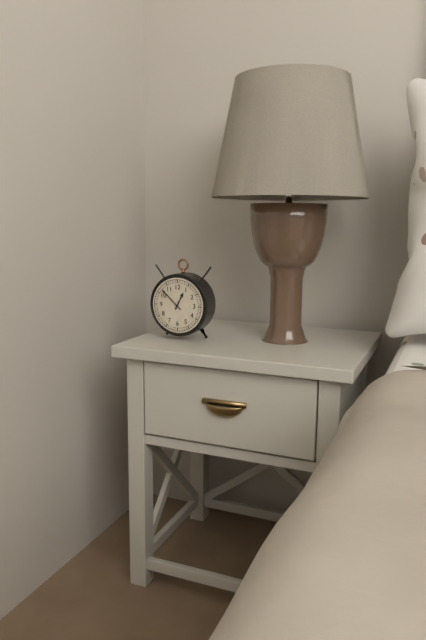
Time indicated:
**12:52**
